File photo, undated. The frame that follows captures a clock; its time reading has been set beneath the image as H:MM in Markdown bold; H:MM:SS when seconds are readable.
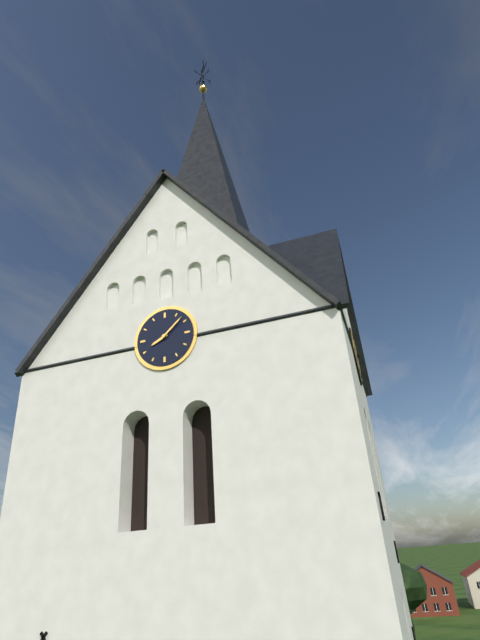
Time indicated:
**8:08**
